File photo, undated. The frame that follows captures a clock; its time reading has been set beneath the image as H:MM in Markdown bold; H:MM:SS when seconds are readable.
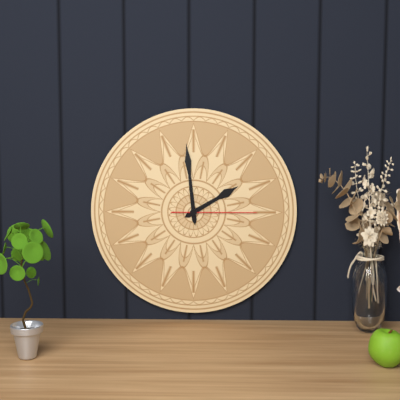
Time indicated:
**1:59:15**
